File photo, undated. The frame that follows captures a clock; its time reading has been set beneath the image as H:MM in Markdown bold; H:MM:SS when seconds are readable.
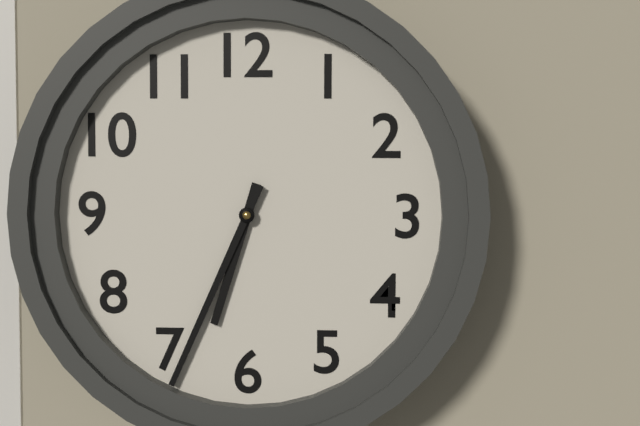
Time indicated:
**6:34**
